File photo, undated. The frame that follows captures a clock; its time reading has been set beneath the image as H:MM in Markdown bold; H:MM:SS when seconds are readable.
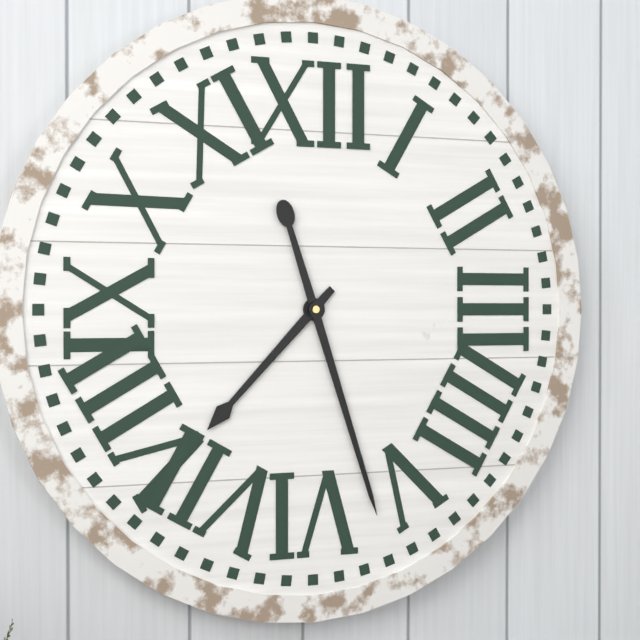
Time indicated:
**7:27**
